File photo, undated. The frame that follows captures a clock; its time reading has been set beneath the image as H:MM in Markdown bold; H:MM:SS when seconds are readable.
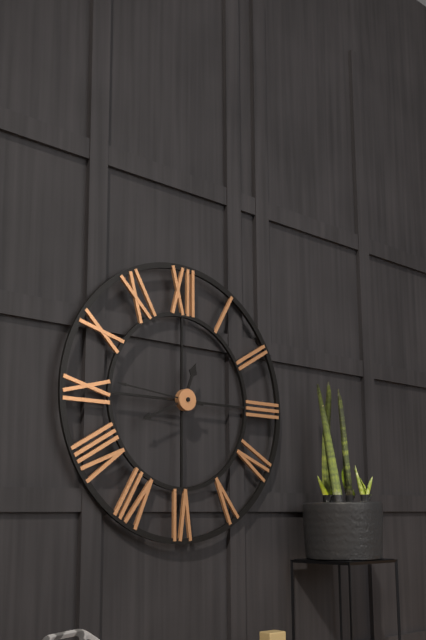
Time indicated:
**12:41:46**
